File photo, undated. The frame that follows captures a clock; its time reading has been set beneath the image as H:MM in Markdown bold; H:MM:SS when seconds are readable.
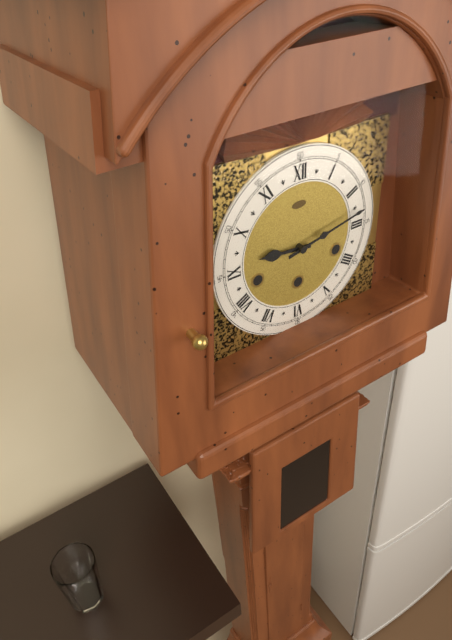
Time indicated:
**9:13**
